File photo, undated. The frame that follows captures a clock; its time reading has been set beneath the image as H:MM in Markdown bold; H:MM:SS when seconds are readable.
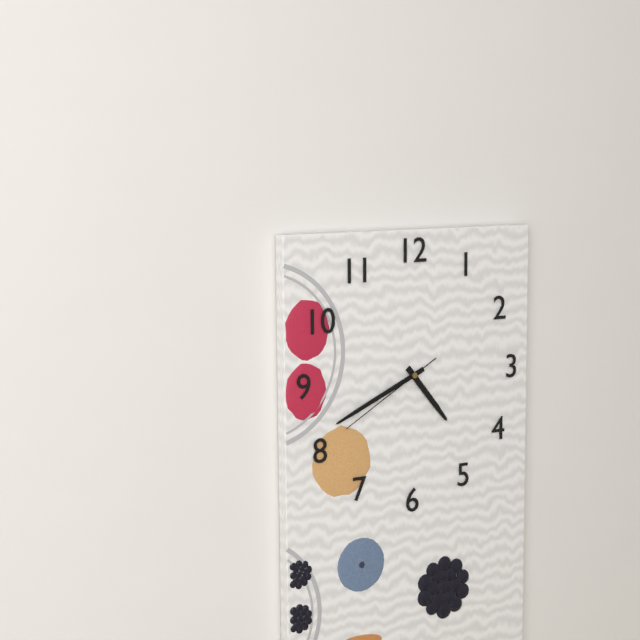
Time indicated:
**4:41:40**
